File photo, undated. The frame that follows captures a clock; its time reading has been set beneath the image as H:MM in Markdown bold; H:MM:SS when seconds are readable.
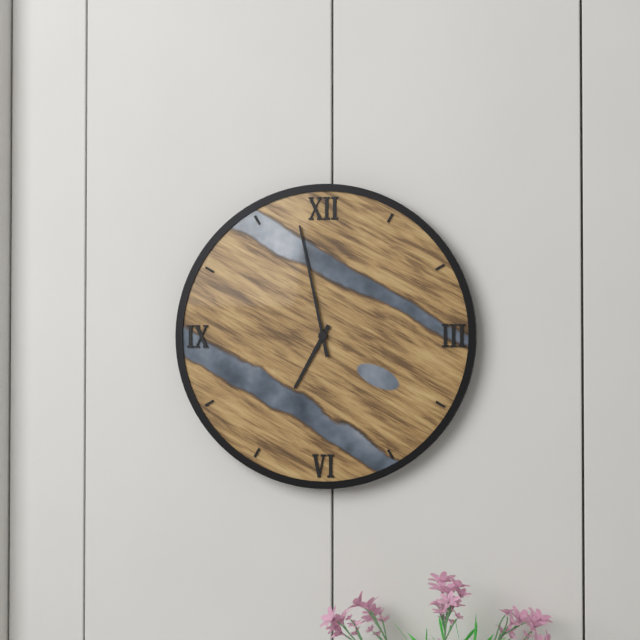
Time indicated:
**6:58**
